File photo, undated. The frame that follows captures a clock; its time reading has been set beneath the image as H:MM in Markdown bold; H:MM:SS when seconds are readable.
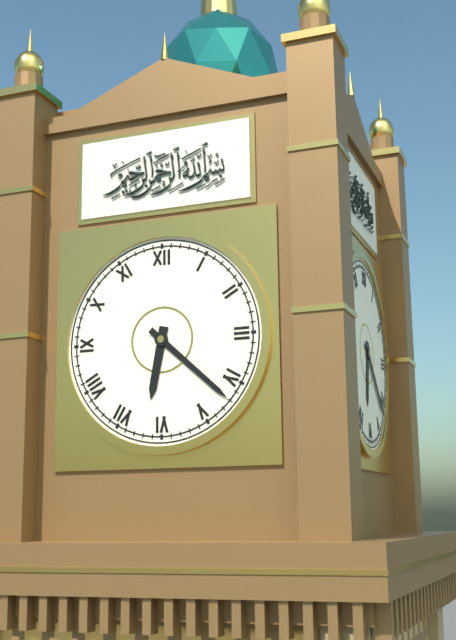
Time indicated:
**6:22**
